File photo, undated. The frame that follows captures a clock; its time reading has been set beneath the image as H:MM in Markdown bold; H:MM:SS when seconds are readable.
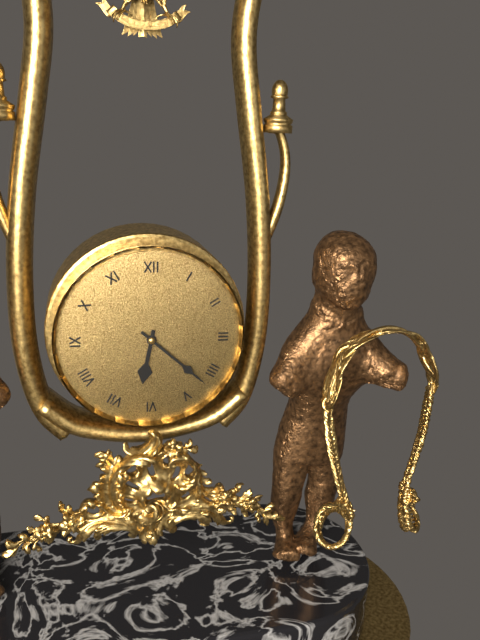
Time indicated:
**6:22**
